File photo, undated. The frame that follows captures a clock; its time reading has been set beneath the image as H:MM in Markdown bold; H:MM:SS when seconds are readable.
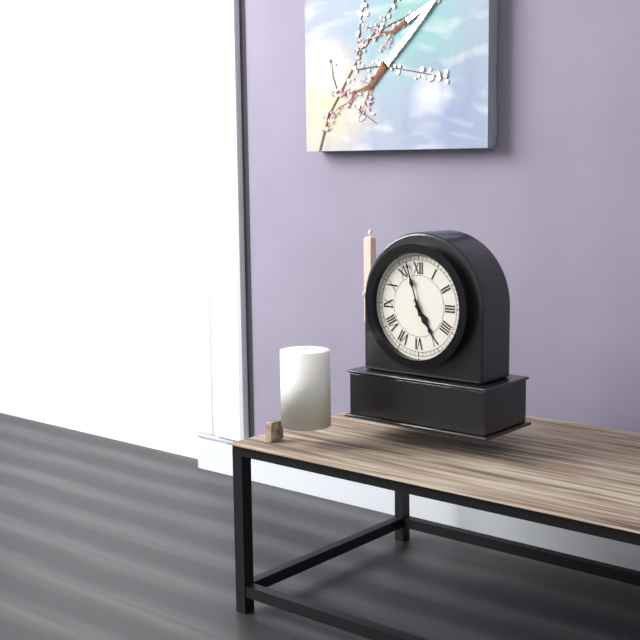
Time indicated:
**4:57**
